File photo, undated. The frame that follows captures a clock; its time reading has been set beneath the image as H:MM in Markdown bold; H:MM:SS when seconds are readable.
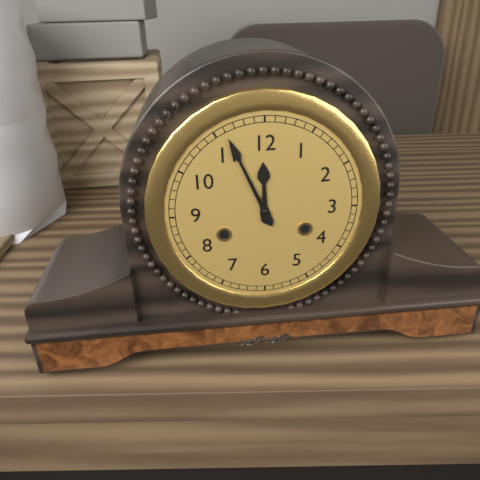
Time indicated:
**11:56**
